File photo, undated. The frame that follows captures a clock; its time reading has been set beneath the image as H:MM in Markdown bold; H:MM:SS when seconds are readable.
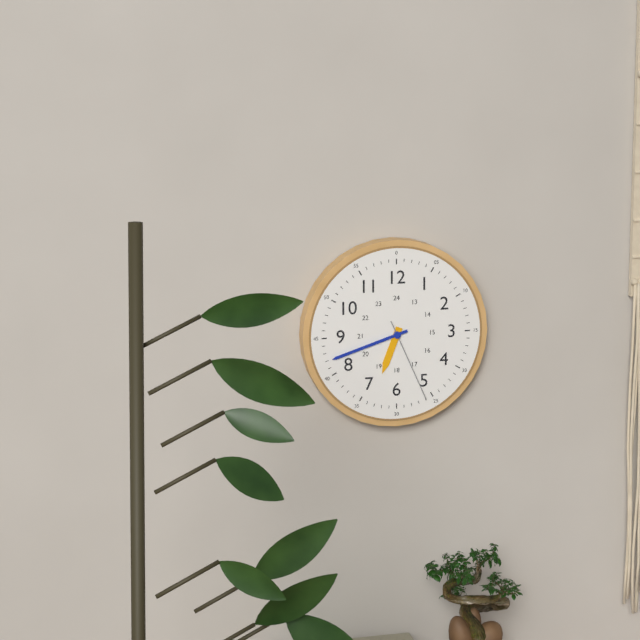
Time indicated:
**6:42:26**
